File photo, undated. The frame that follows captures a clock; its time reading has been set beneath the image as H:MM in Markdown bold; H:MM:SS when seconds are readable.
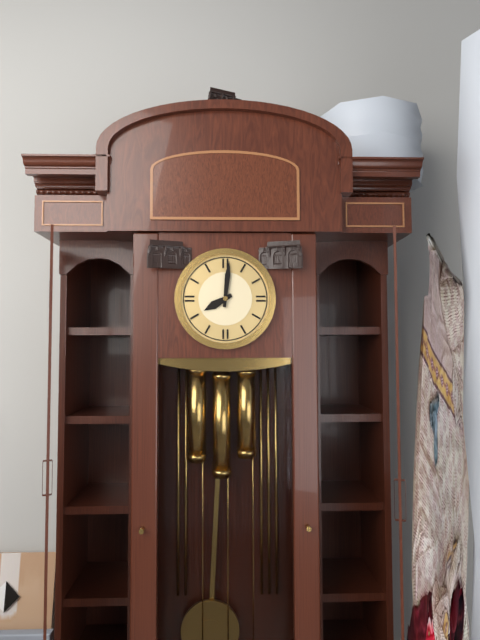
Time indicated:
**8:01**
